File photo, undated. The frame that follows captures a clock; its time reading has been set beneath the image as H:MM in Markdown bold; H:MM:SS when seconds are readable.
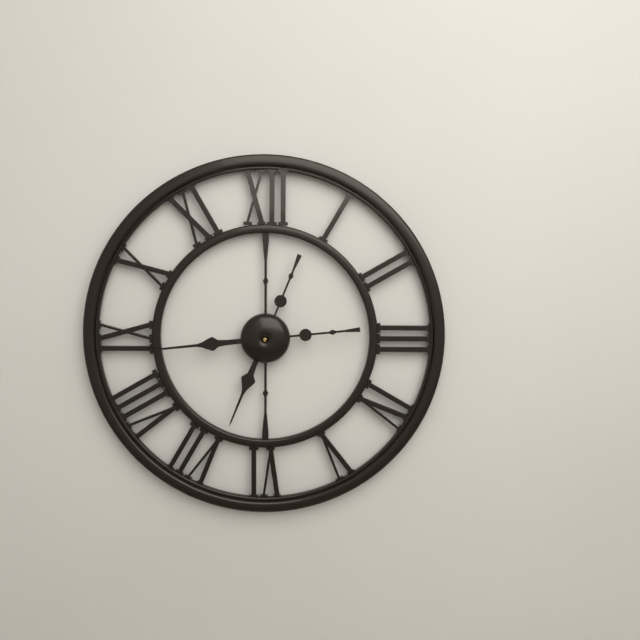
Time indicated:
**6:44**
